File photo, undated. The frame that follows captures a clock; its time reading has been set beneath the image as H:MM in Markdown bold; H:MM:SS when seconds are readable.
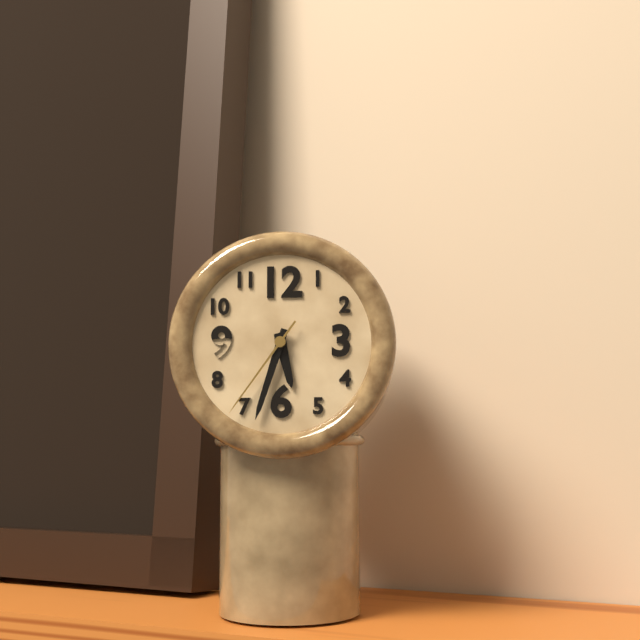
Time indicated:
**5:33:36**
